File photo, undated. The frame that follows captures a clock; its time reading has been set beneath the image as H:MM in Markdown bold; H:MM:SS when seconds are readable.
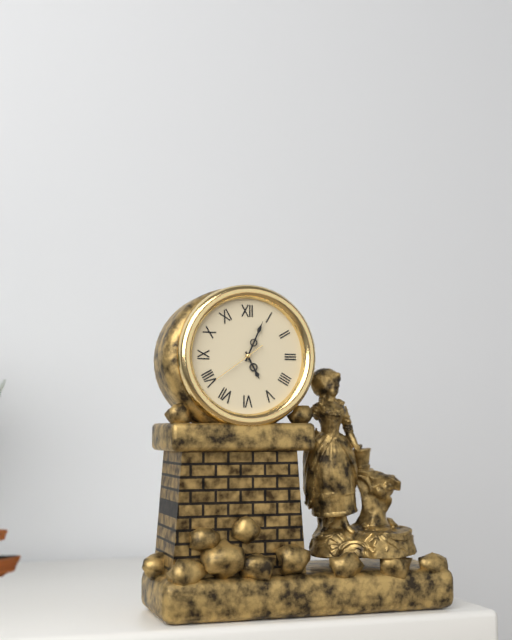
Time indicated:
**5:04**
